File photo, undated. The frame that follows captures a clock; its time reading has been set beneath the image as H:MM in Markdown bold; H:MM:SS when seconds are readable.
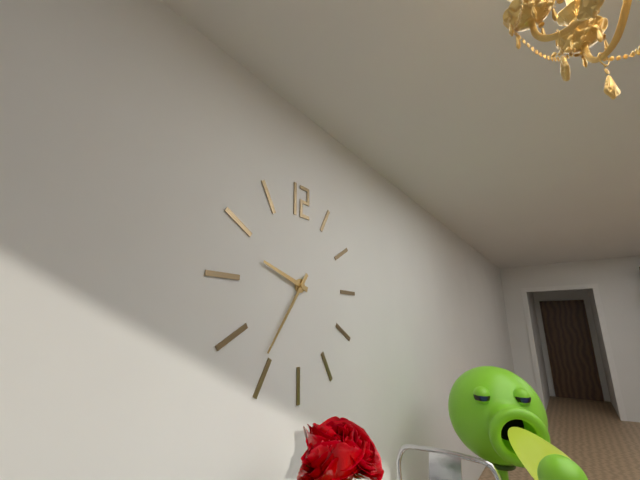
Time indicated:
**9:36**
